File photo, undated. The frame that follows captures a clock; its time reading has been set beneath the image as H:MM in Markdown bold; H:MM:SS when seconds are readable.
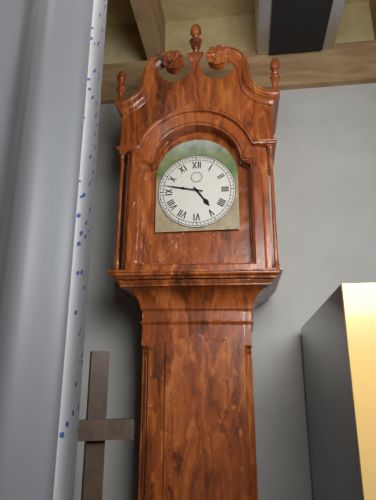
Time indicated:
**4:47**
